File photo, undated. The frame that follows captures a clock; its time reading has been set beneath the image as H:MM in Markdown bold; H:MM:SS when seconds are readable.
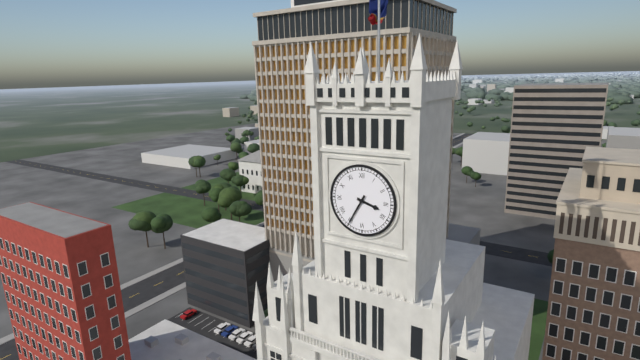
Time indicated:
**3:35**
